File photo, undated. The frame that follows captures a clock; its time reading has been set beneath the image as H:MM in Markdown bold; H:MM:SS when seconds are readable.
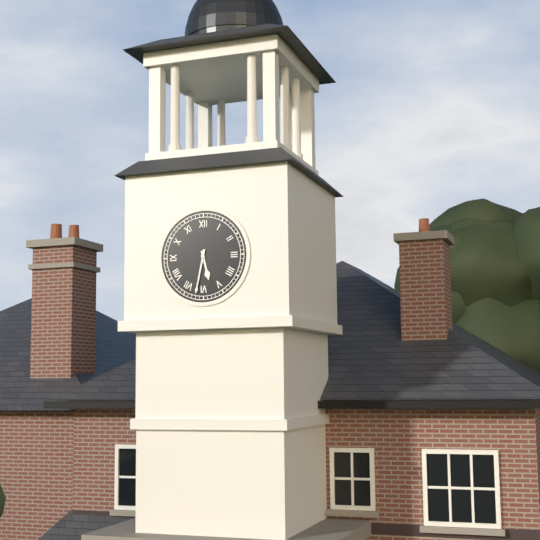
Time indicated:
**5:32**
